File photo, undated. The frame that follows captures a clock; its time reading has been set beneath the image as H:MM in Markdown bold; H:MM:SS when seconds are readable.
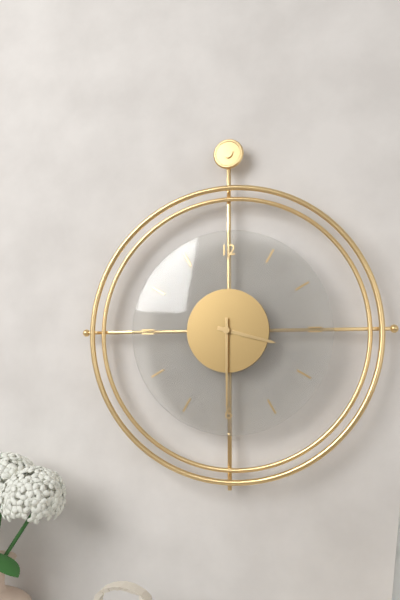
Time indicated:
**3:30**
